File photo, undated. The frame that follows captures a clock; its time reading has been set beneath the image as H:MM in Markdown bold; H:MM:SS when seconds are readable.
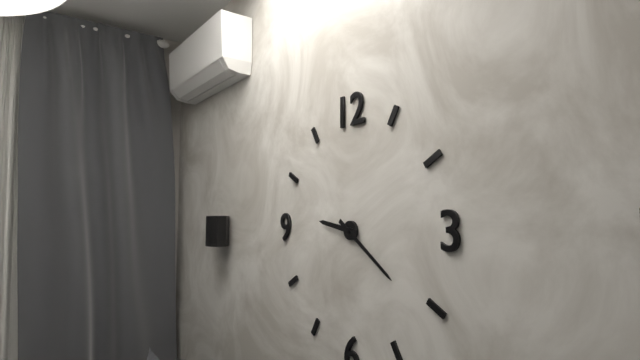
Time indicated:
**9:21**
